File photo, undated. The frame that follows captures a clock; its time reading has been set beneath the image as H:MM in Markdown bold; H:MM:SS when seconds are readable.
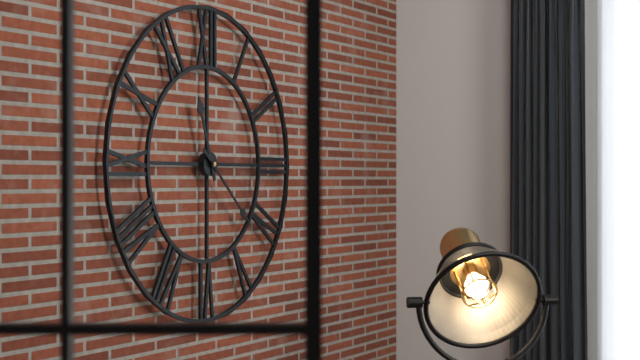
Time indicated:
**11:22**
